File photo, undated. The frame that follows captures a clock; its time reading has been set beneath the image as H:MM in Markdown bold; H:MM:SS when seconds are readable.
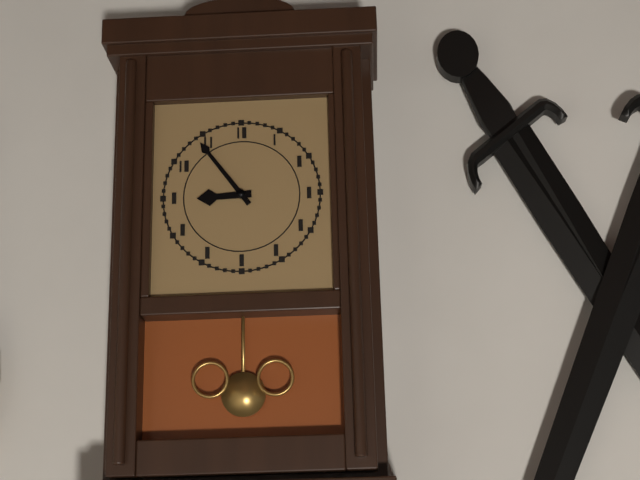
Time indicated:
**8:54**
